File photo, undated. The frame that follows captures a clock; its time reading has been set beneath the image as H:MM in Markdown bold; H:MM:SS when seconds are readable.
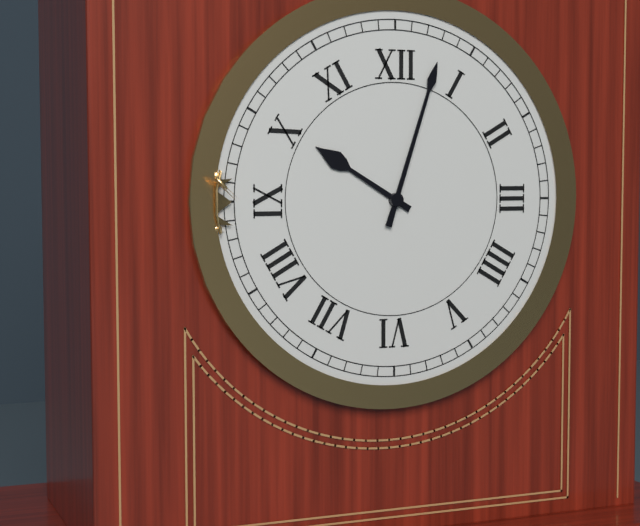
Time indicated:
**10:03**
